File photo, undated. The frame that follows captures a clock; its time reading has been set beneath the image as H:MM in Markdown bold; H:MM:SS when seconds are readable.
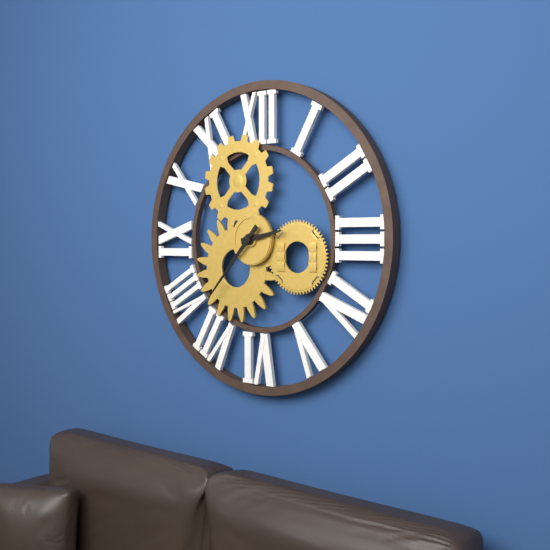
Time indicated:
**2:37**
